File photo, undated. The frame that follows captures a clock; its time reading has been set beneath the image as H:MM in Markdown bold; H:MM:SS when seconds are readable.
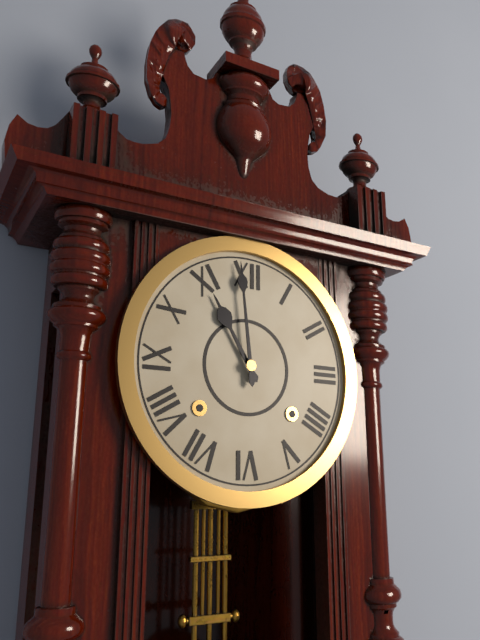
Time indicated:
**10:59**
